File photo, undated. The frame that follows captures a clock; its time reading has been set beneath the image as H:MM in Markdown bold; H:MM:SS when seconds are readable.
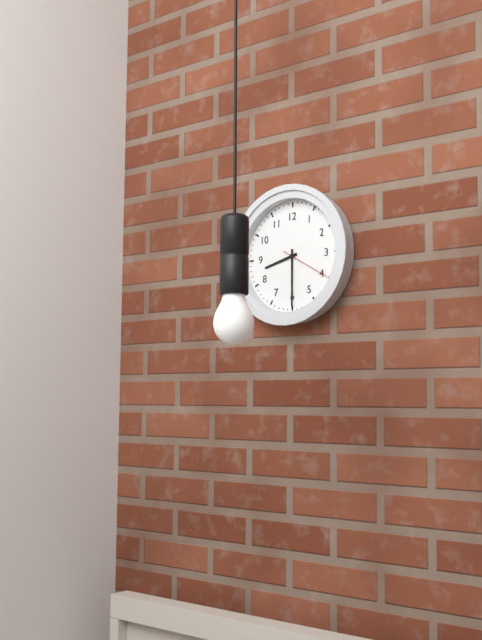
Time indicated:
**8:30:20**
